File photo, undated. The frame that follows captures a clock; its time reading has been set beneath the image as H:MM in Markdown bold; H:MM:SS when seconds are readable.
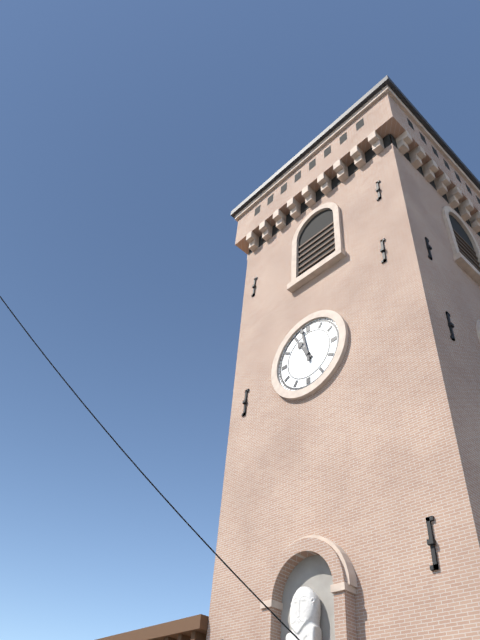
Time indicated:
**10:58**
